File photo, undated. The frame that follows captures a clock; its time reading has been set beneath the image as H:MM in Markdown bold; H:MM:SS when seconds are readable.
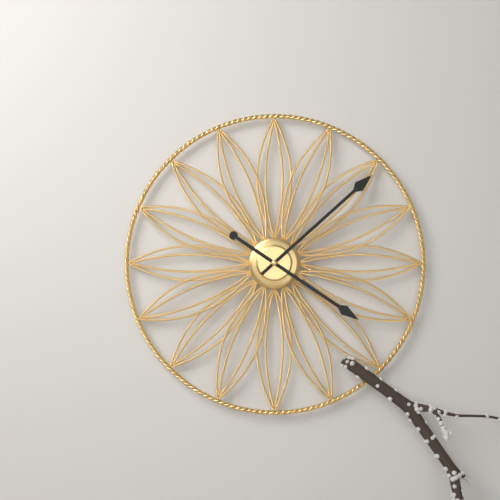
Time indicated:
**4:08**
